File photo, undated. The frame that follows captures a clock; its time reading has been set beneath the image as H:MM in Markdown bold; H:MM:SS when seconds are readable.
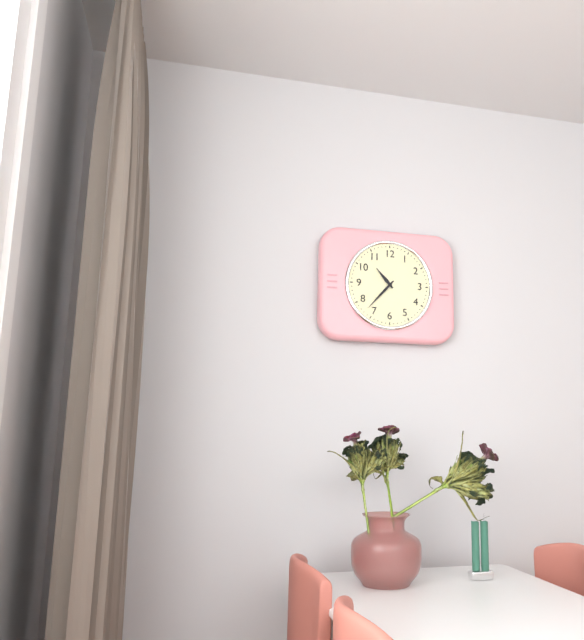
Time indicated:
**10:37**
